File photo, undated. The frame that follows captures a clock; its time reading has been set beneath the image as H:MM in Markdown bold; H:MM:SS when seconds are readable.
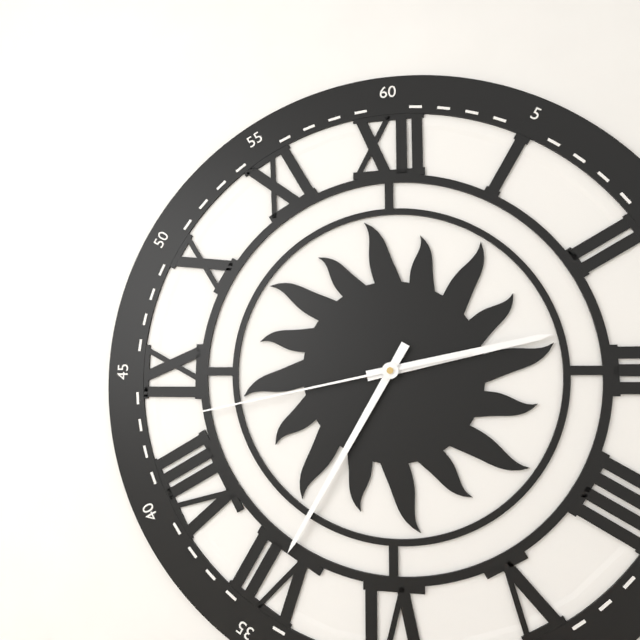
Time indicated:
**2:35:43**
